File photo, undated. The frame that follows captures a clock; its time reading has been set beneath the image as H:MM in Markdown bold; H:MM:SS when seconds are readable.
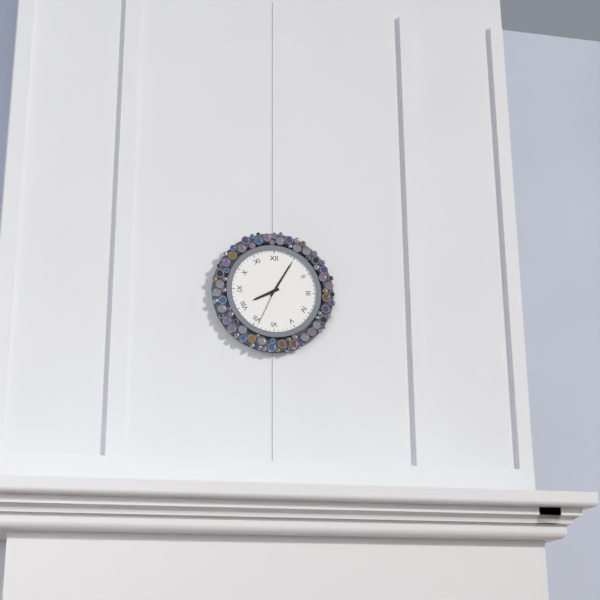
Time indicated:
**8:05**
